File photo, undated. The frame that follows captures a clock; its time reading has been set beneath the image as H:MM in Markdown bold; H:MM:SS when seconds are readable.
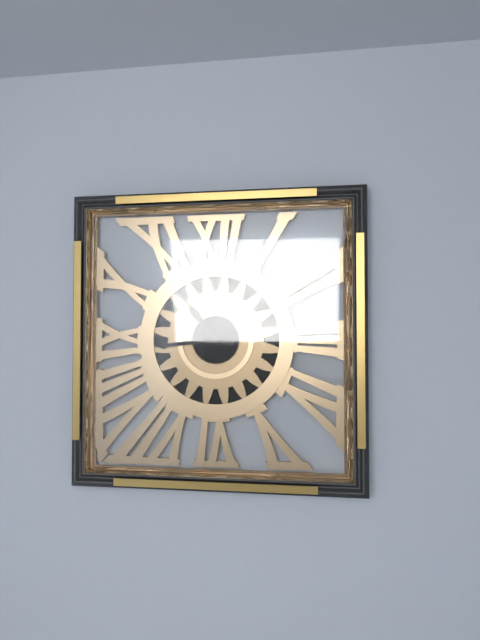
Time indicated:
**10:44**
